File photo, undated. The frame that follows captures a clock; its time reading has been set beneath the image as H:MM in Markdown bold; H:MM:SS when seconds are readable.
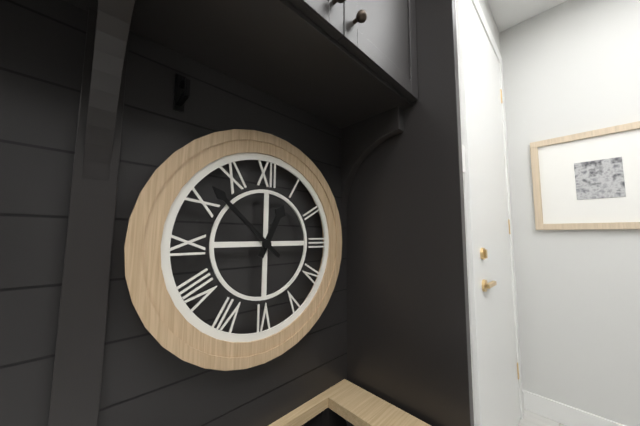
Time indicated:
**12:52**
